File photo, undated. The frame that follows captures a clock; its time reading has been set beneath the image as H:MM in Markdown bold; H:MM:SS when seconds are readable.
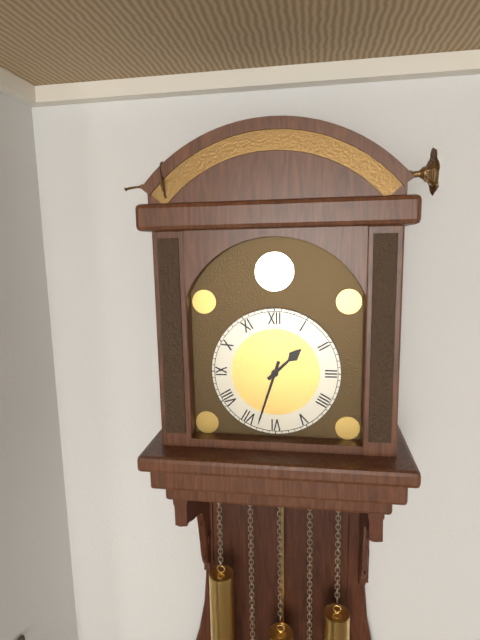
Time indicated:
**1:33**
